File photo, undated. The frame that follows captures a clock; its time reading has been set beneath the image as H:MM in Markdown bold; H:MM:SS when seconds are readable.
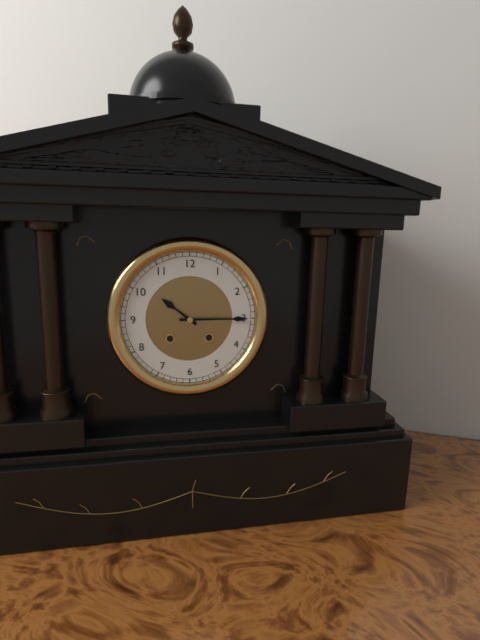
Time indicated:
**10:15**
